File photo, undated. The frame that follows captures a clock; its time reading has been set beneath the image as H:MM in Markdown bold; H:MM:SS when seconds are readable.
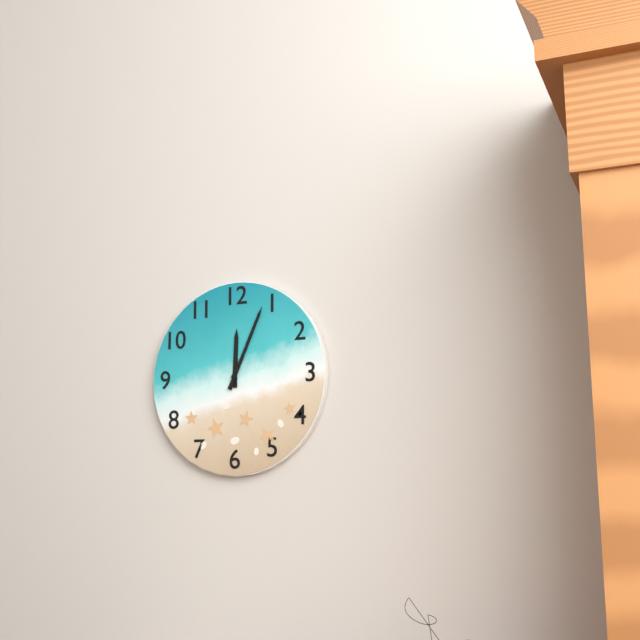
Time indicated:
**12:04**
